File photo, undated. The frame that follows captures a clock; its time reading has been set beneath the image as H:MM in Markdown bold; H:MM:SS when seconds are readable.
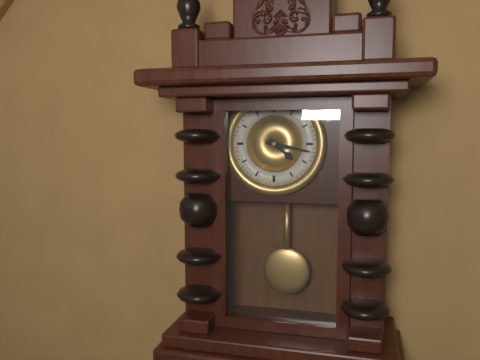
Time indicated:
**4:17**
